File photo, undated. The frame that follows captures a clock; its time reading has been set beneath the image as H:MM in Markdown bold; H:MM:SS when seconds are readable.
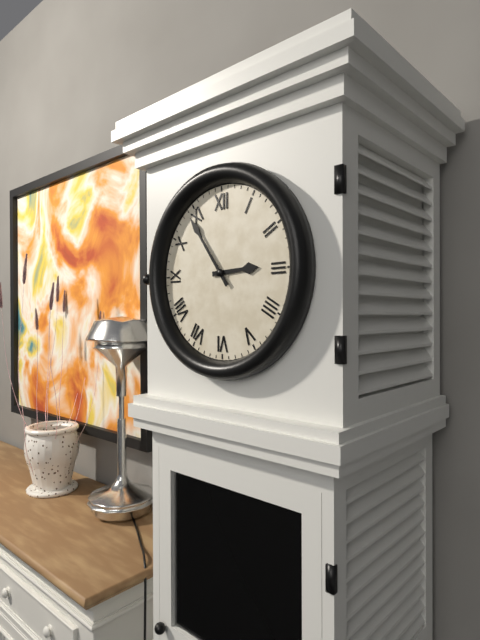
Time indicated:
**2:54**
